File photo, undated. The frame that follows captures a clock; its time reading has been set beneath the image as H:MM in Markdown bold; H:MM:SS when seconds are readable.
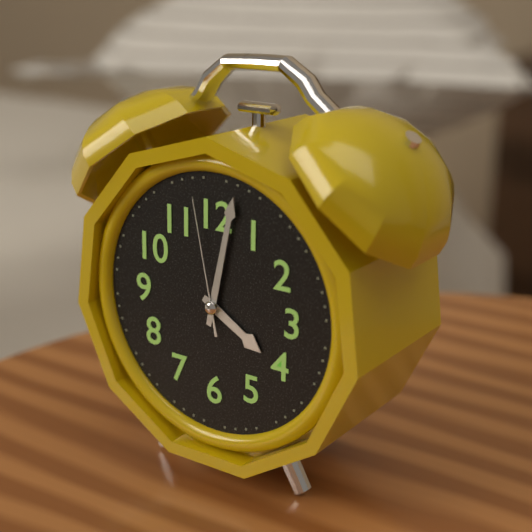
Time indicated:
**4:02:58**
